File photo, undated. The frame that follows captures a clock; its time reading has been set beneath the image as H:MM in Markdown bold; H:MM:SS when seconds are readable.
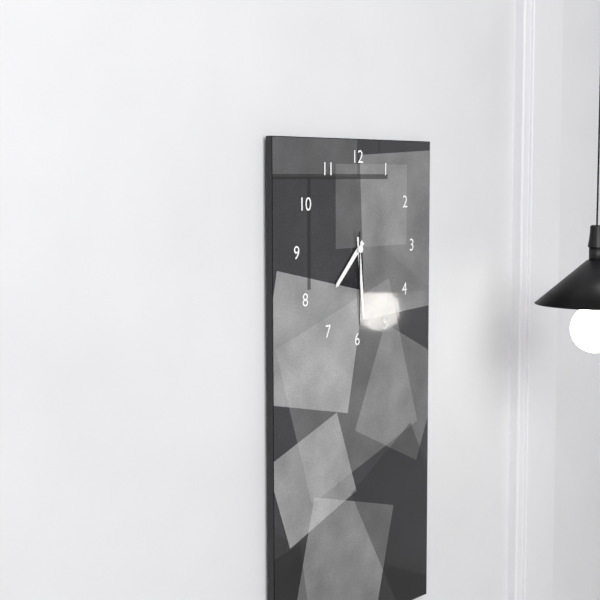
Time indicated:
**7:29:30**
